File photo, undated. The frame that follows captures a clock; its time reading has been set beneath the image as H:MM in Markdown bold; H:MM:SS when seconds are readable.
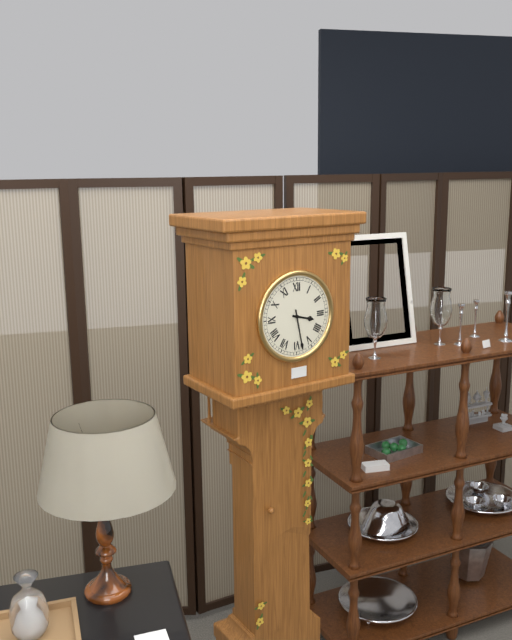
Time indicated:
**3:28**
